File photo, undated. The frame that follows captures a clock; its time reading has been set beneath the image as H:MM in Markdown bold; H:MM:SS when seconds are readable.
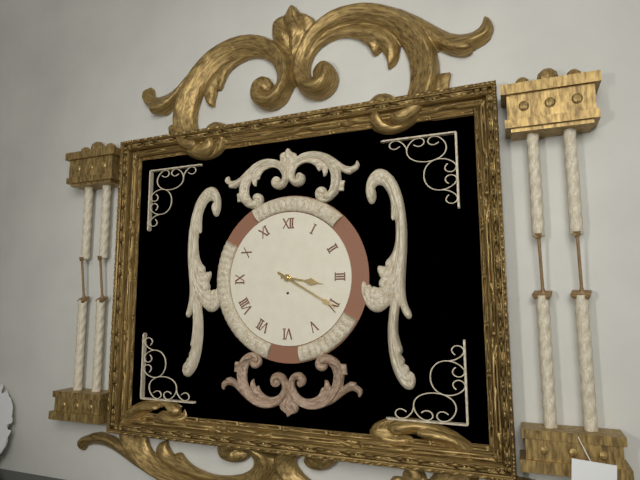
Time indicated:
**3:20**
